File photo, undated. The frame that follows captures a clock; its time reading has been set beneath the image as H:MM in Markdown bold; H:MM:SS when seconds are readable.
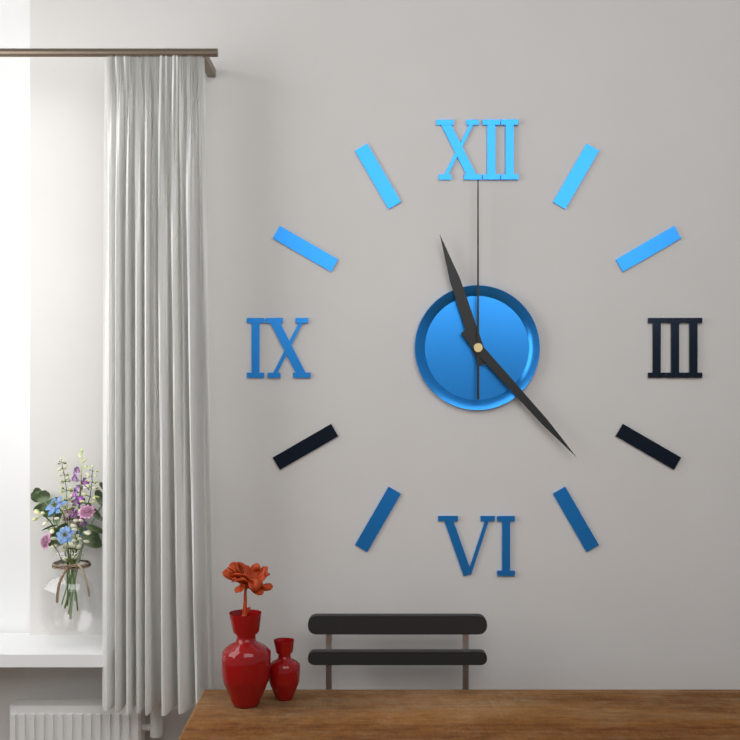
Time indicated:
**11:23:00**
